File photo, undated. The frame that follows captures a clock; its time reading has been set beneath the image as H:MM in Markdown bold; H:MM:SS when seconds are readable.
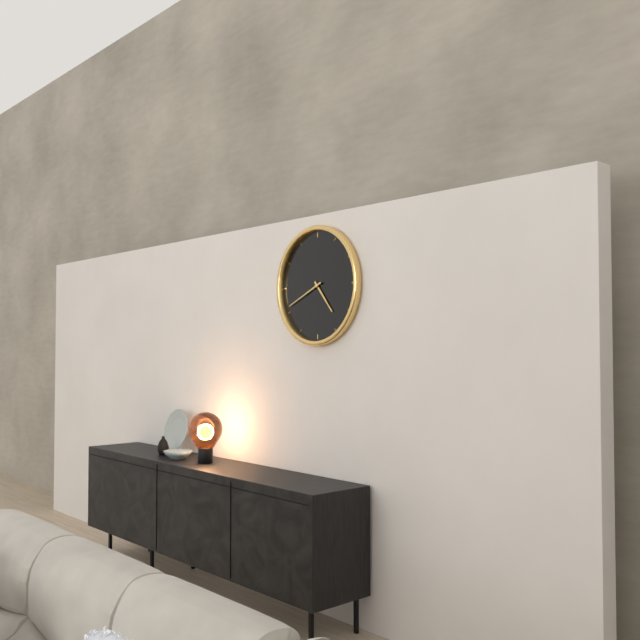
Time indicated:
**4:41**
